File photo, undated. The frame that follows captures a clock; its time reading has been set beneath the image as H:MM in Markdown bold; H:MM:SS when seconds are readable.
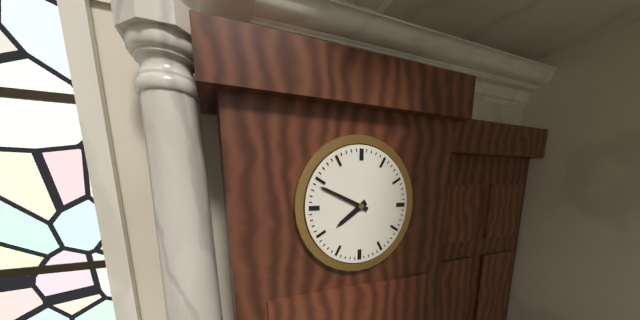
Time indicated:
**7:49**
